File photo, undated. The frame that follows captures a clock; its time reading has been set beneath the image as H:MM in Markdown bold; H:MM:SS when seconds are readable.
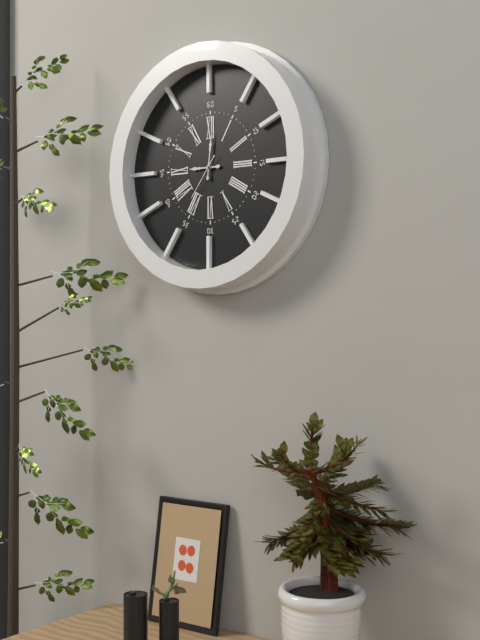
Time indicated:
**9:01**
